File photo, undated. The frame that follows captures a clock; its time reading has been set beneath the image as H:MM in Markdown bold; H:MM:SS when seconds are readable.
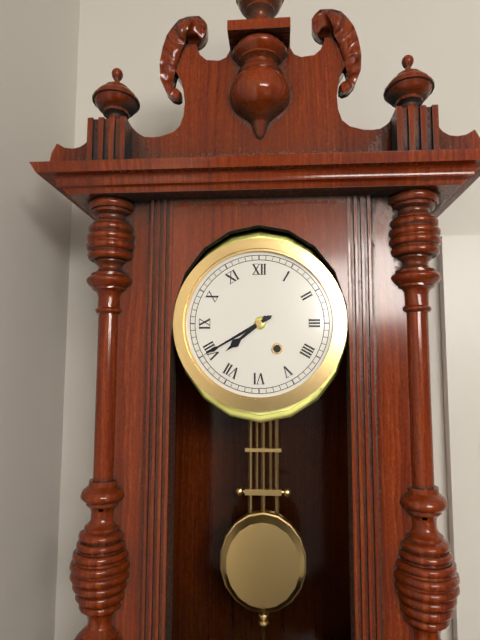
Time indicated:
**7:40**
